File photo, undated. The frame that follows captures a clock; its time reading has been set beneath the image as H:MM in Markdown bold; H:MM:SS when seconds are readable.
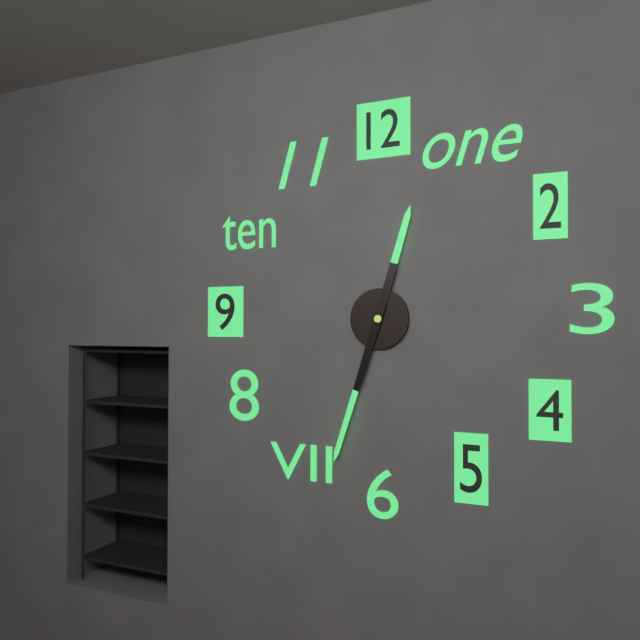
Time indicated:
**12:33**
